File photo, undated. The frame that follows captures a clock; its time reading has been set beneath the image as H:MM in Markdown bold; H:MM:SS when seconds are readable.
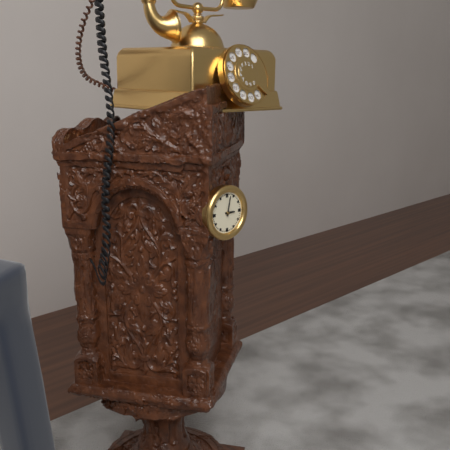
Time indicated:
**3:02**
